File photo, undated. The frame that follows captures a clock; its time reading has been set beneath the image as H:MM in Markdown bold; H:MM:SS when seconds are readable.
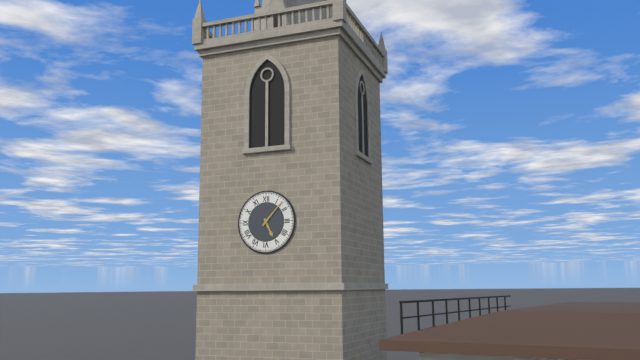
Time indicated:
**5:07**
